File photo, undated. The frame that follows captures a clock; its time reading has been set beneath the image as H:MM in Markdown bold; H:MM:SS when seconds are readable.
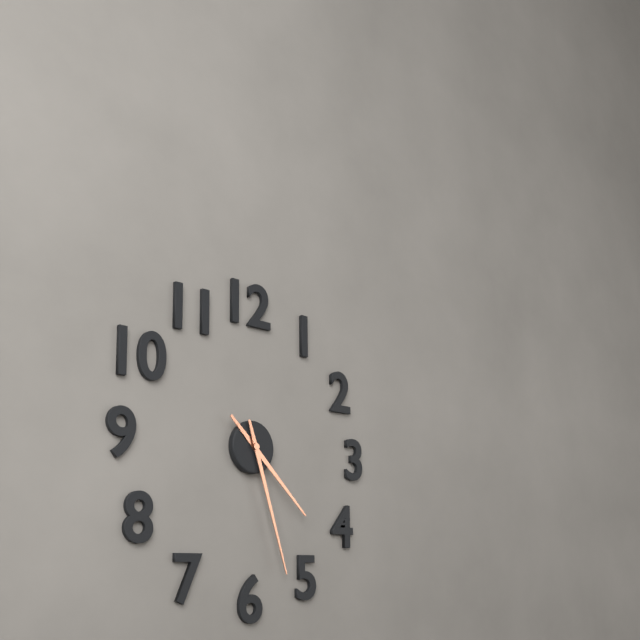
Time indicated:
**4:27**
